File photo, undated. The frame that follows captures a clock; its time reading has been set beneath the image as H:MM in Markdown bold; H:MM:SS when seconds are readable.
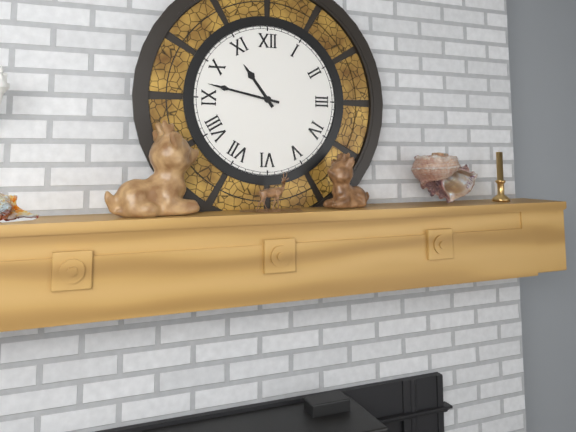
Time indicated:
**10:47**
